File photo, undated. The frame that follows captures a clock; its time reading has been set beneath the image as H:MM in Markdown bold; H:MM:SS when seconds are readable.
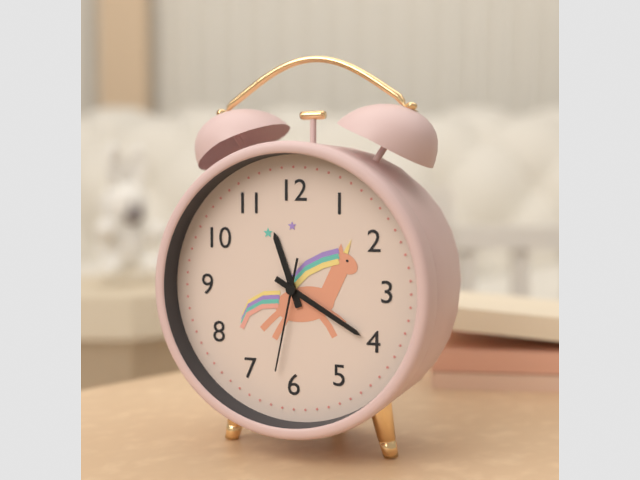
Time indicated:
**11:20:32**
